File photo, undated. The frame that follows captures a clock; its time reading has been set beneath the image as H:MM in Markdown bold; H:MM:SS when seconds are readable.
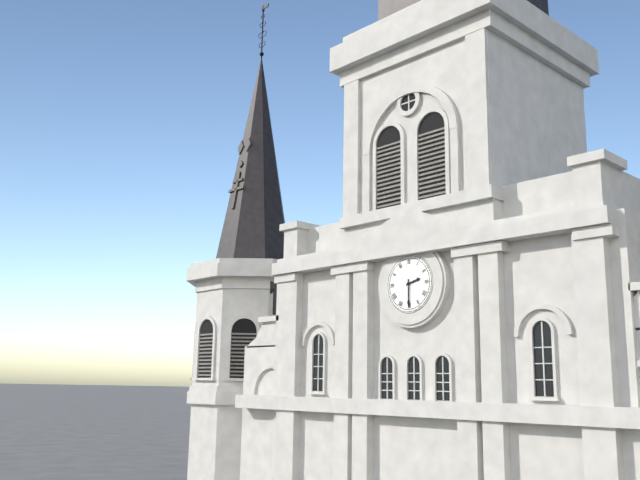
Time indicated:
**2:30**
